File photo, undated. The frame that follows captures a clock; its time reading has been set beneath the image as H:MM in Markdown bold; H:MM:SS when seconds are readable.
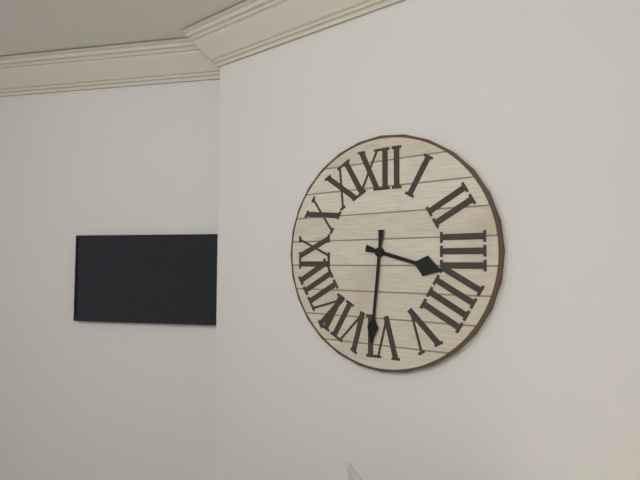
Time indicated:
**3:31**
